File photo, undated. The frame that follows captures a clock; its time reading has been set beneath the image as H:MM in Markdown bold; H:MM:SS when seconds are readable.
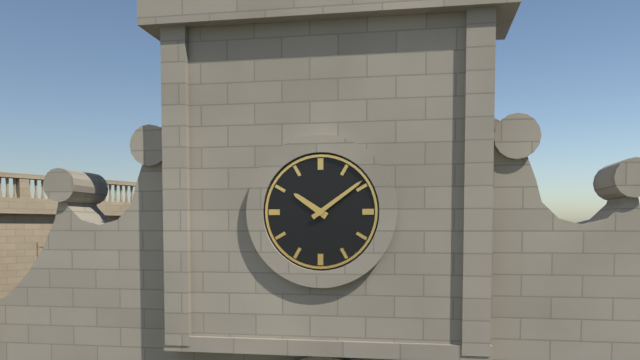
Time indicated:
**10:09**
